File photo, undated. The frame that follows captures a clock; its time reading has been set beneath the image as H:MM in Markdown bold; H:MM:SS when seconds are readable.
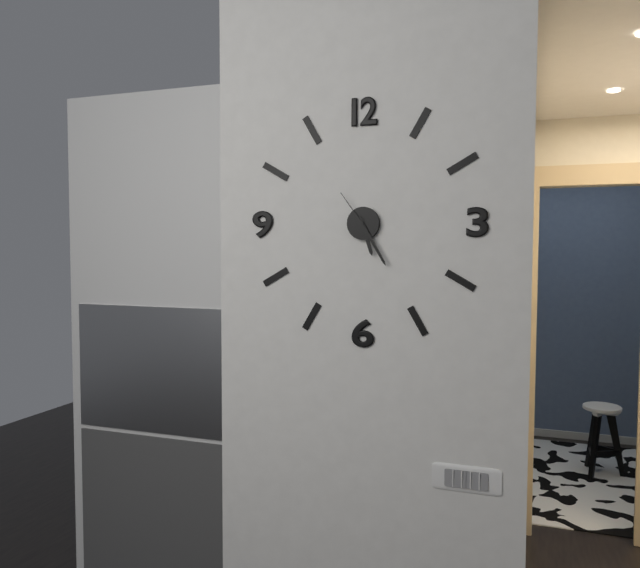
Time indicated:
**5:25**
